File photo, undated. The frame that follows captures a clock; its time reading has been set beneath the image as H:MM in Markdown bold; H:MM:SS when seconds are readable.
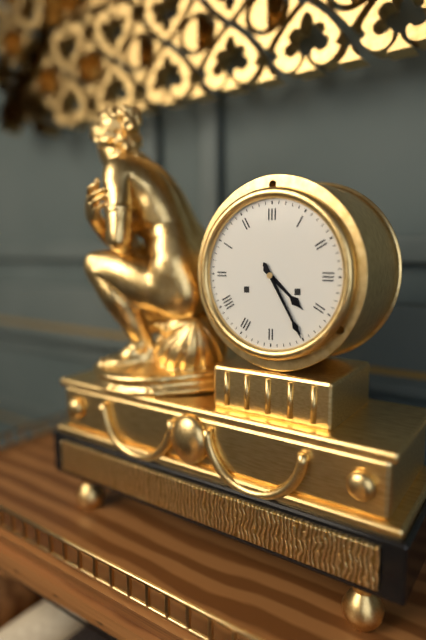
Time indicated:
**4:25**
